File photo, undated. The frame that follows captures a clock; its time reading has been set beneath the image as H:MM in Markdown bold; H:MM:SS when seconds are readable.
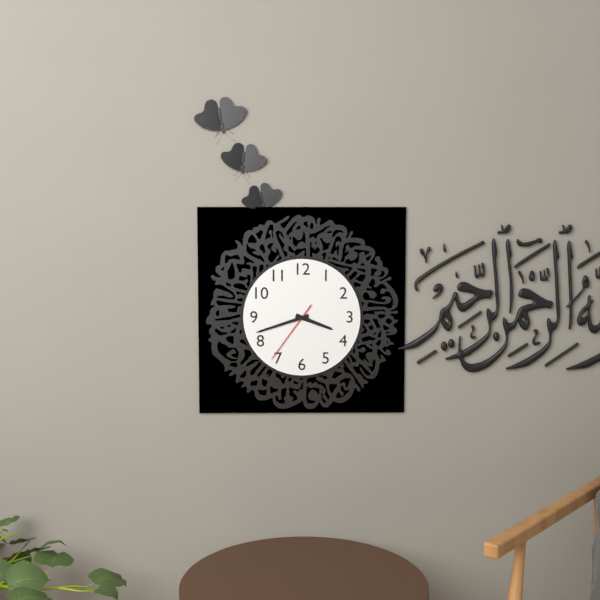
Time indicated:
**3:42:36**
